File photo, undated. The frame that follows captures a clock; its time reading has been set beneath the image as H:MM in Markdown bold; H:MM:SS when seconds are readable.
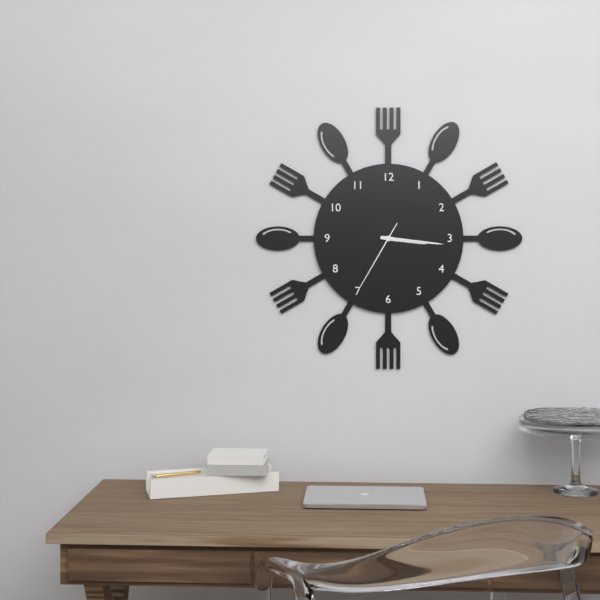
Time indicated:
**3:16:35**
